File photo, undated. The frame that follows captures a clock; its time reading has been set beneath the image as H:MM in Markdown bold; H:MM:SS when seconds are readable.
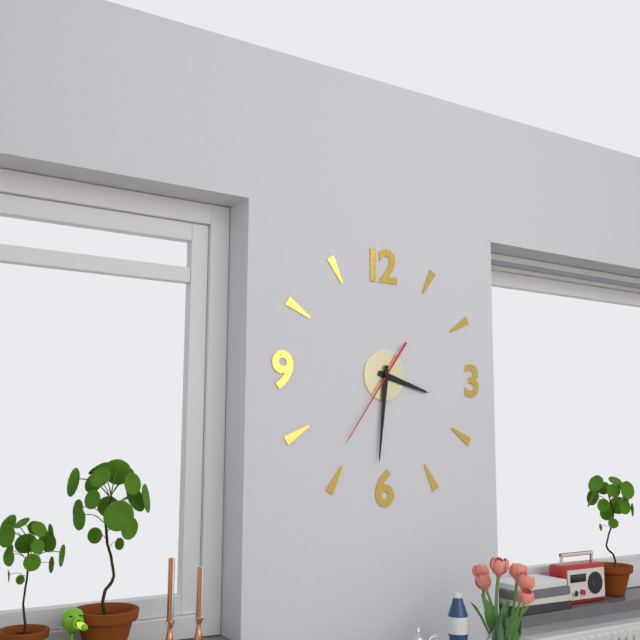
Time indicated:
**3:31:36**
